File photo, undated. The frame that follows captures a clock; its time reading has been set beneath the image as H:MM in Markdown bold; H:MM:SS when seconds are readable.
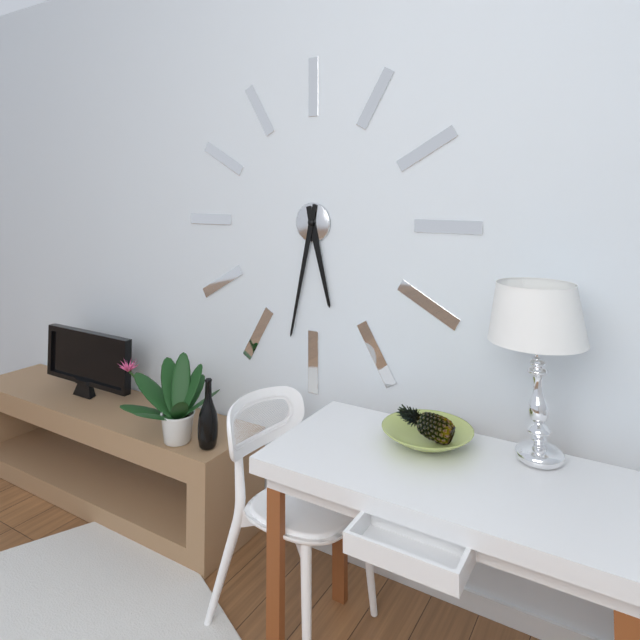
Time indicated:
**5:32**
